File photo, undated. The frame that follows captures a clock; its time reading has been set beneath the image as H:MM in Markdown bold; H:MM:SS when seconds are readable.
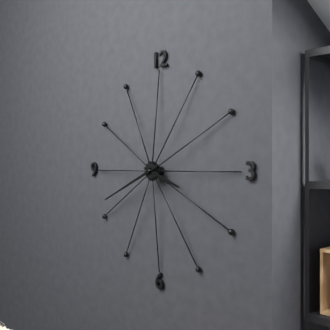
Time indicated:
**3:41**
